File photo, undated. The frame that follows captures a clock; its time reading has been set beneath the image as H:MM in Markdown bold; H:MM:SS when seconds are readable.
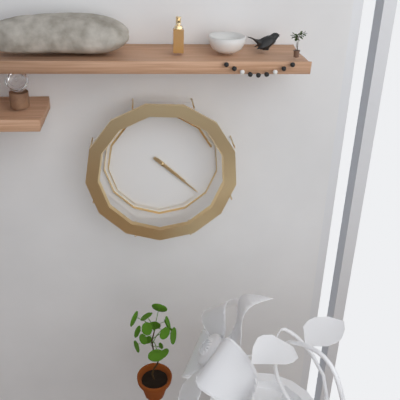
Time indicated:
**4:22**
